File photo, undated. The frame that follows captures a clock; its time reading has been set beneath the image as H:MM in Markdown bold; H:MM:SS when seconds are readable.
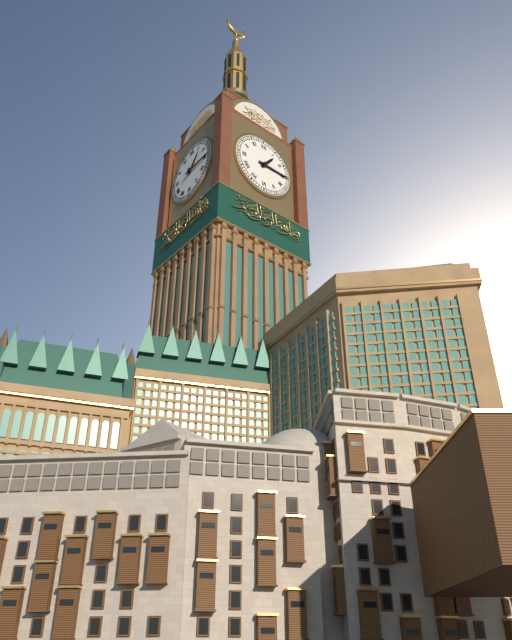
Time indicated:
**1:15**
